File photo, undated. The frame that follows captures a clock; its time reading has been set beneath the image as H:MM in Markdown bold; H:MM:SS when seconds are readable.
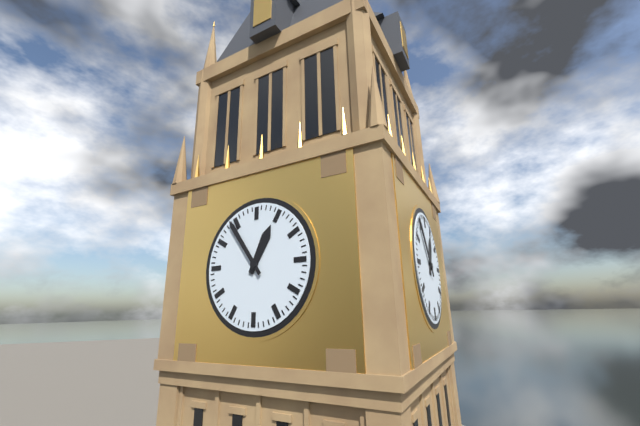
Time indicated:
**12:54**
